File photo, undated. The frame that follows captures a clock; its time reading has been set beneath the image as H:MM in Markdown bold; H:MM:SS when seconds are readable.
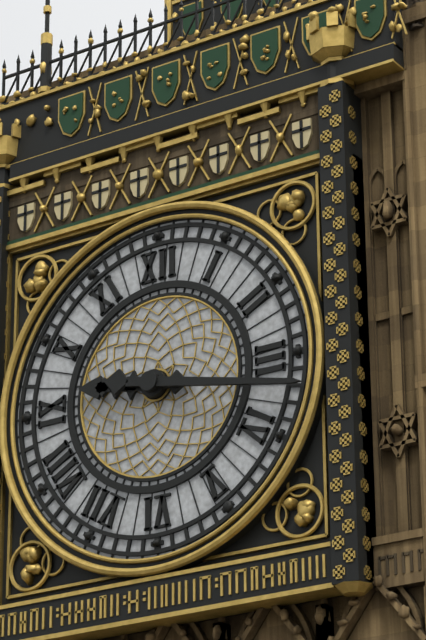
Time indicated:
**9:17**
